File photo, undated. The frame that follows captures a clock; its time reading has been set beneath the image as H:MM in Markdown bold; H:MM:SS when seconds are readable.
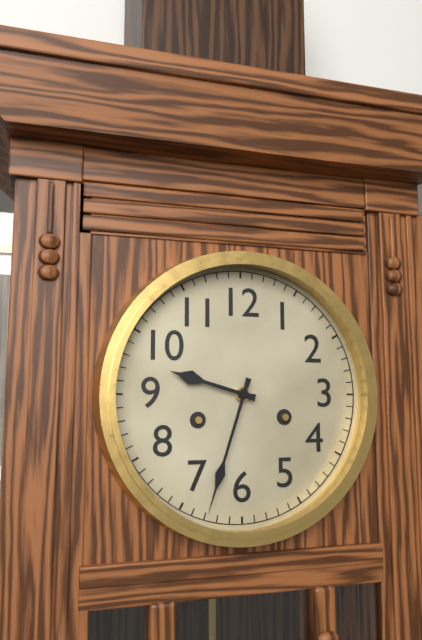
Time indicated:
**9:33**
